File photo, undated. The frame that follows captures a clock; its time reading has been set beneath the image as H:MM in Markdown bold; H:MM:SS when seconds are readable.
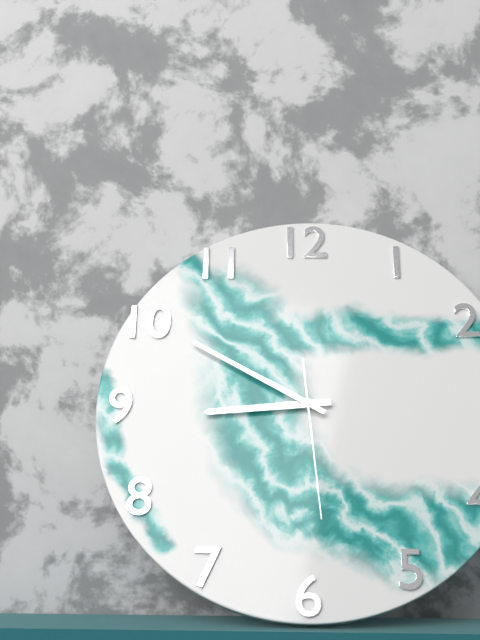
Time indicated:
**8:50:29**
